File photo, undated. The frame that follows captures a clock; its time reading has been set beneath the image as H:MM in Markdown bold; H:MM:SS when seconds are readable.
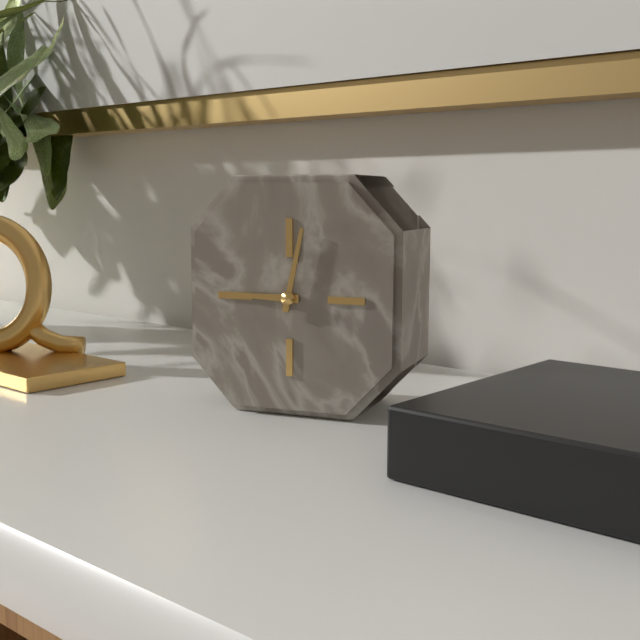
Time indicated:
**9:02**
